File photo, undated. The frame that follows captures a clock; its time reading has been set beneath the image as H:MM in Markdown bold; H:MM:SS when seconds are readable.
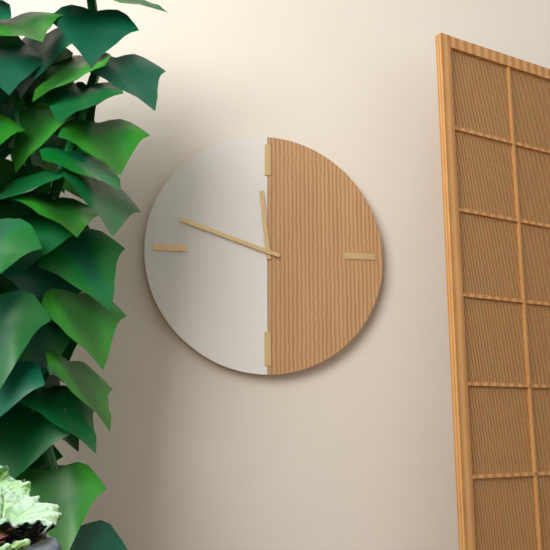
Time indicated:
**11:48**
